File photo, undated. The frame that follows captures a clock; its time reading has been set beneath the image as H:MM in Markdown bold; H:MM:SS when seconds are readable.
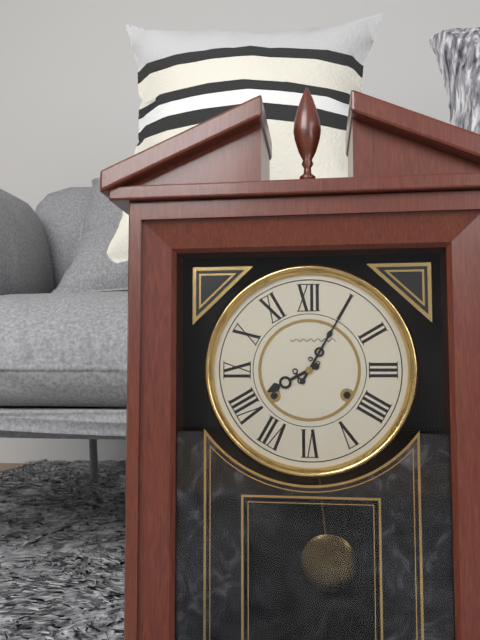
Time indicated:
**8:05**
